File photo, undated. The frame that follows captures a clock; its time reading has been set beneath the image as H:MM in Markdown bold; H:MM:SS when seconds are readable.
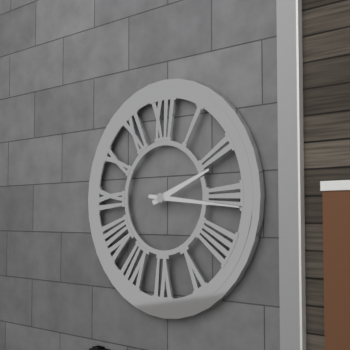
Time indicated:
**2:16**
